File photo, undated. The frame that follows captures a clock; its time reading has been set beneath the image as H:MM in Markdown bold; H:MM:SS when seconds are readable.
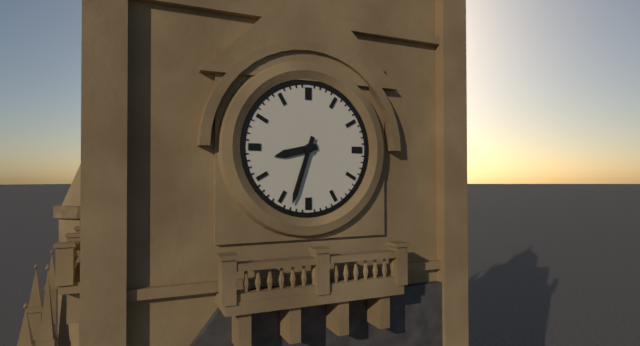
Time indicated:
**8:33**
